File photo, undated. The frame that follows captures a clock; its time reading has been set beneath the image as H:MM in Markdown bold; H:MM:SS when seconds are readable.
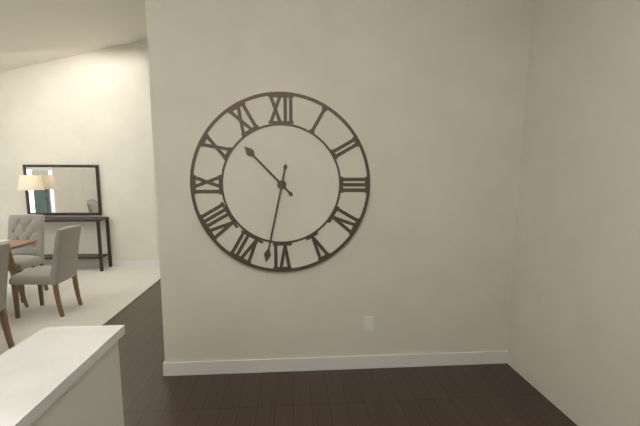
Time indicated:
**10:32**
